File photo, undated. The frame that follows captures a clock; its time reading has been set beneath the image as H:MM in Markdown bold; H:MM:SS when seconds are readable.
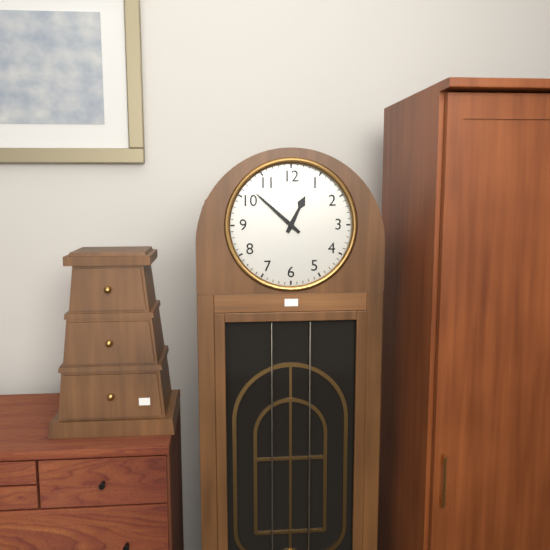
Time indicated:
**12:52**
